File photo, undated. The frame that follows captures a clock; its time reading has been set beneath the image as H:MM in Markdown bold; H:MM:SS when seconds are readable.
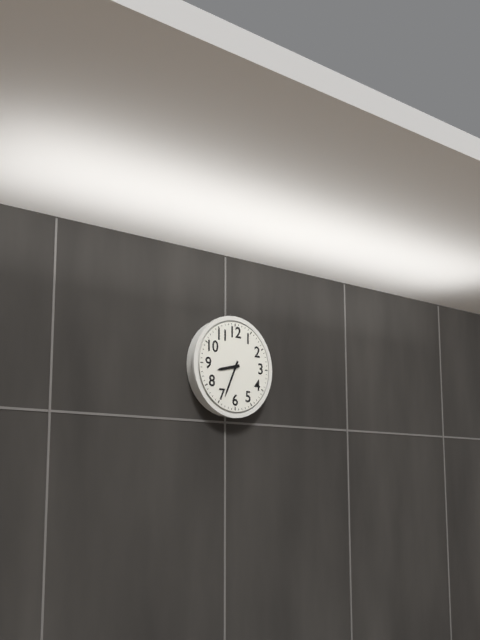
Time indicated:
**8:34**
